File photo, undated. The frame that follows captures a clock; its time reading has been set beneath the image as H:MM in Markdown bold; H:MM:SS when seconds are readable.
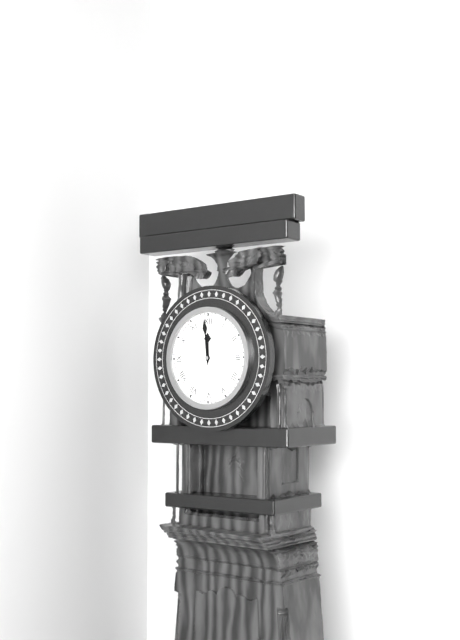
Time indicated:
**11:59**
